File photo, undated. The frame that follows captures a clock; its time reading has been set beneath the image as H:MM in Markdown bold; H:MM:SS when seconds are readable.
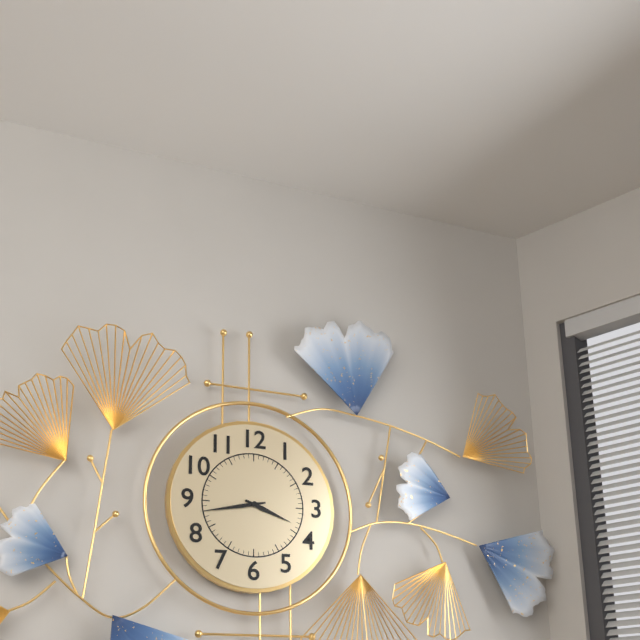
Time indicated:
**3:43**
